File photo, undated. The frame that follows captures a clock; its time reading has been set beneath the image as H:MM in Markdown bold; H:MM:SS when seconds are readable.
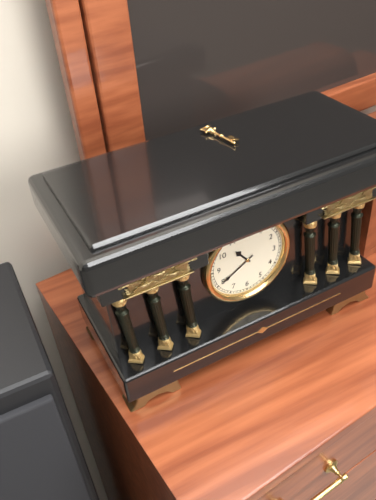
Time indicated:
**10:40**
